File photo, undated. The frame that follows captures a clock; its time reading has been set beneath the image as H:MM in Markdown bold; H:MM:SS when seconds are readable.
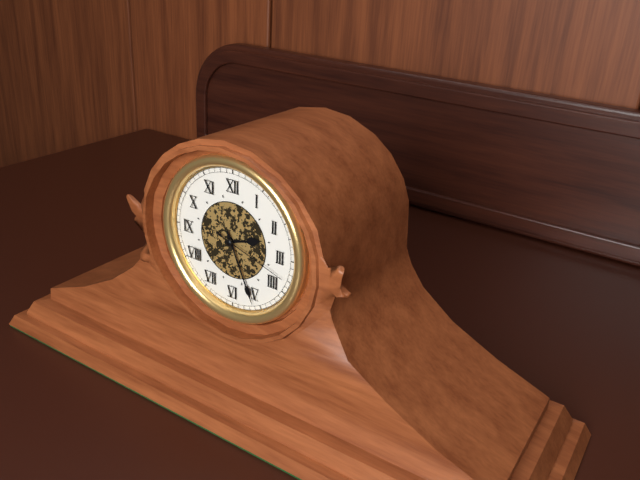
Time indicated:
**2:26:18**
